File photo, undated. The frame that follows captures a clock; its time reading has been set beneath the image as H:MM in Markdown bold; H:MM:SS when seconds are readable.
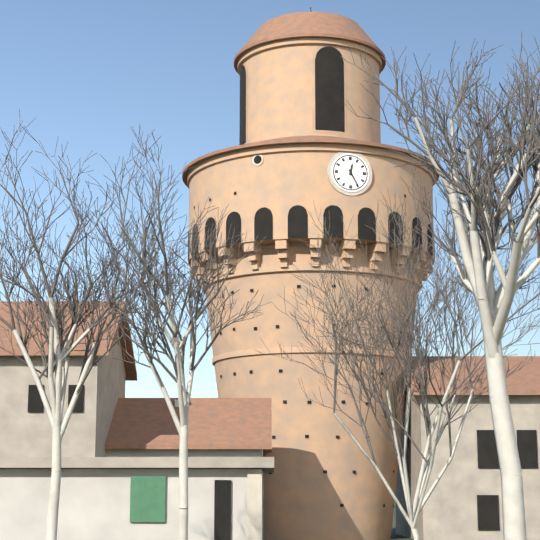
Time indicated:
**12:25**
